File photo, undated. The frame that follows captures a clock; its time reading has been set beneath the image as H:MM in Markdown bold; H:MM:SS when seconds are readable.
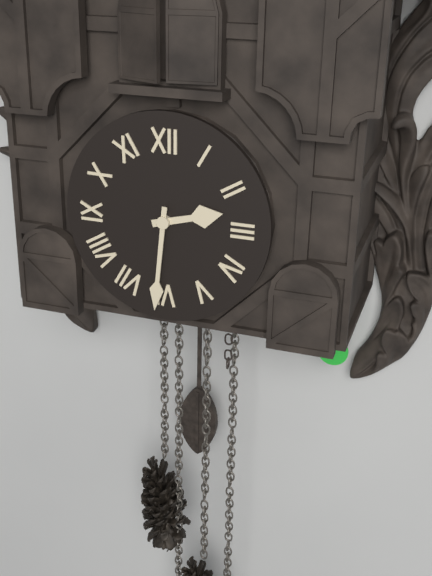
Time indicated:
**2:31**
